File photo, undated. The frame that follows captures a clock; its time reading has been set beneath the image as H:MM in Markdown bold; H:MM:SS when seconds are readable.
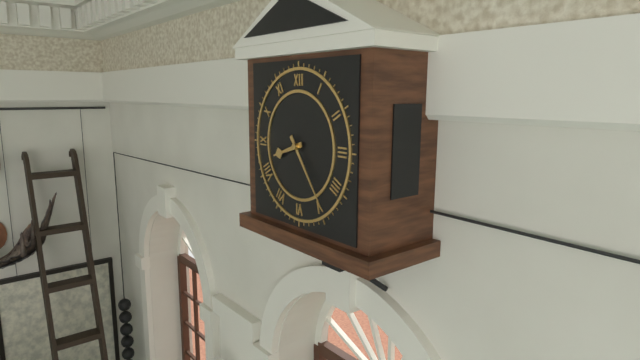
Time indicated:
**8:24**
